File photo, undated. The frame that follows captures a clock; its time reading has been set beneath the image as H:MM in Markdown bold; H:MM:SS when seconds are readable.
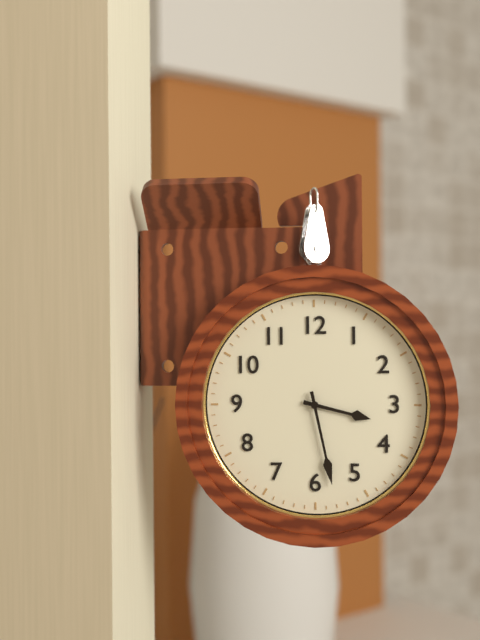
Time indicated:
**3:28**
